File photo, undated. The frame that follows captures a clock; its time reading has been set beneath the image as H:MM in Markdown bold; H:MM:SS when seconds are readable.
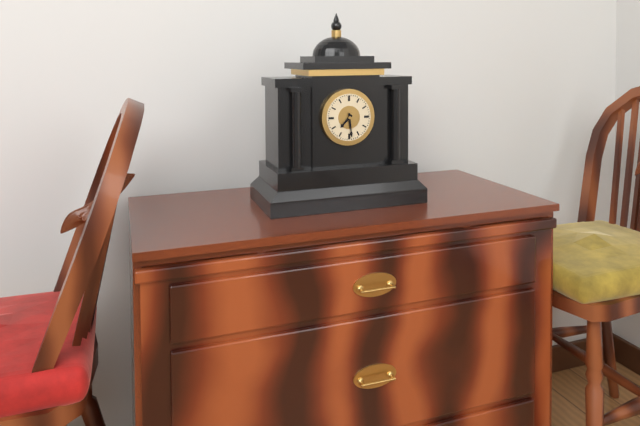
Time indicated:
**7:29**
